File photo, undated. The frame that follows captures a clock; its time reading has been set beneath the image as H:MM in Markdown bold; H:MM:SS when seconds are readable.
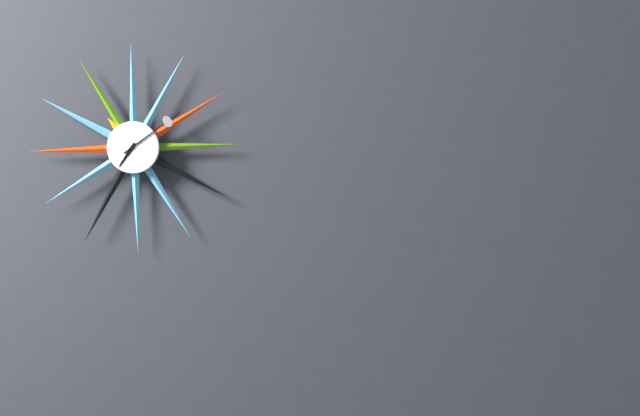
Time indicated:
**7:09**
